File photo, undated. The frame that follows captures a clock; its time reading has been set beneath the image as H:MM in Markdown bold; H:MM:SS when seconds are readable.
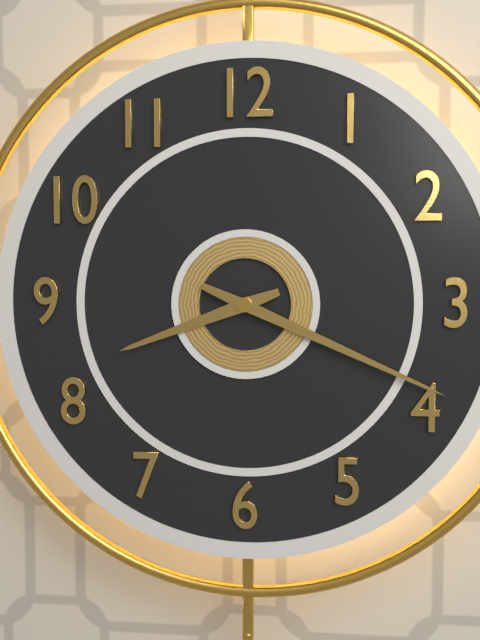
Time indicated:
**8:19**
